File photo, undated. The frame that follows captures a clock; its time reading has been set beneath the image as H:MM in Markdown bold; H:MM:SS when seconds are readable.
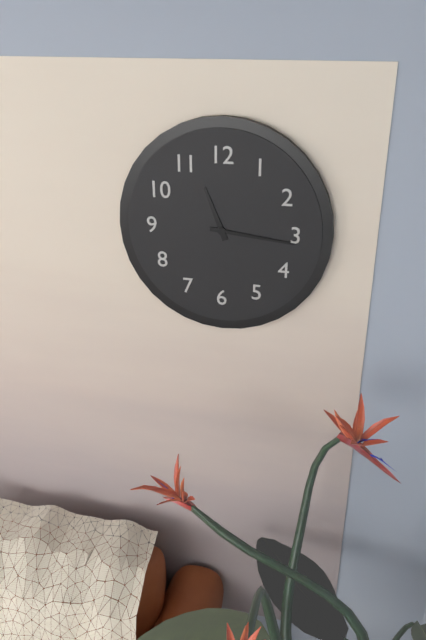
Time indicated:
**11:16**
